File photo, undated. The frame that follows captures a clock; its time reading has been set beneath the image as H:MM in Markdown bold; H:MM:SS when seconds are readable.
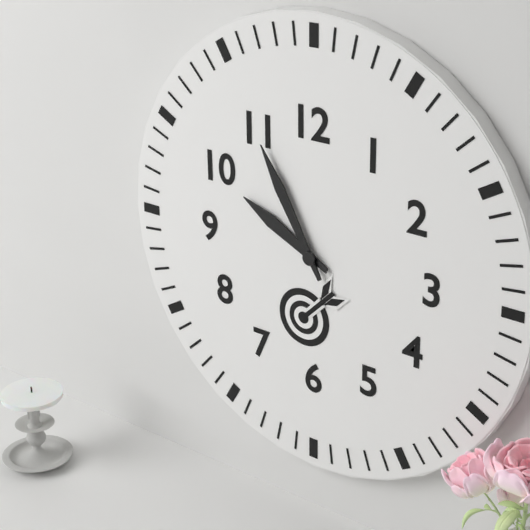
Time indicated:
**9:55**
